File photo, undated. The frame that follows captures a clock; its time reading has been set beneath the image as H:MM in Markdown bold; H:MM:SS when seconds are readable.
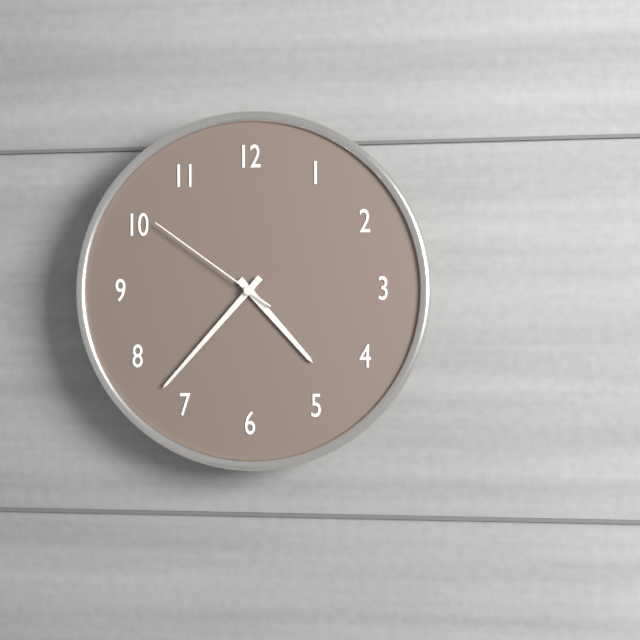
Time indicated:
**4:37:51**
